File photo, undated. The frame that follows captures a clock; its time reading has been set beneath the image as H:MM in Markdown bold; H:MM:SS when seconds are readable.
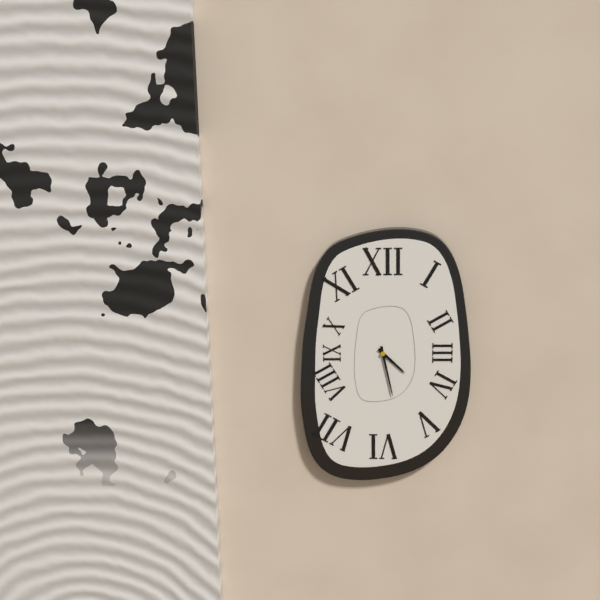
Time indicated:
**4:28**
